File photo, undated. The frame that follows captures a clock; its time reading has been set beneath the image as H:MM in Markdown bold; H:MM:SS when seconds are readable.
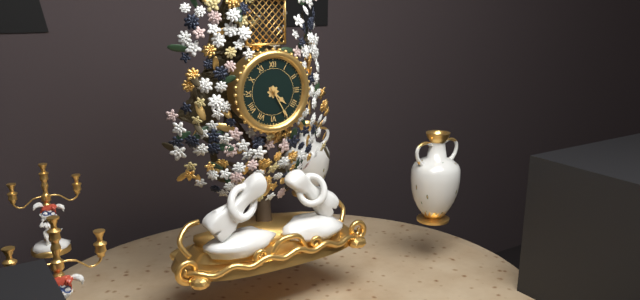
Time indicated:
**4:25**
